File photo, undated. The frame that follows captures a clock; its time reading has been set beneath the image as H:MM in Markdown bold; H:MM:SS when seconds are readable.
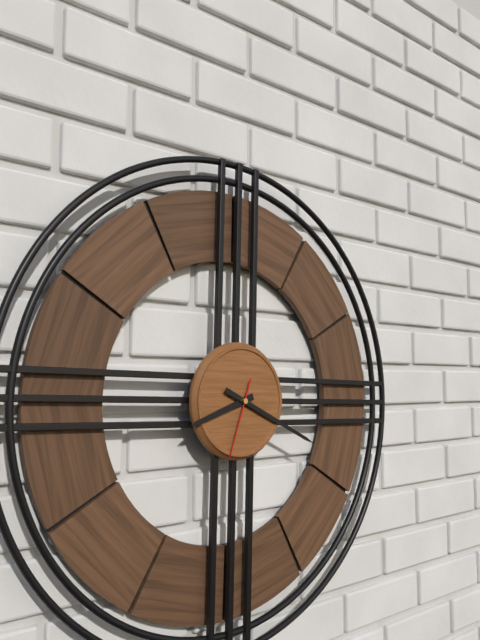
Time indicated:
**8:19:33**
